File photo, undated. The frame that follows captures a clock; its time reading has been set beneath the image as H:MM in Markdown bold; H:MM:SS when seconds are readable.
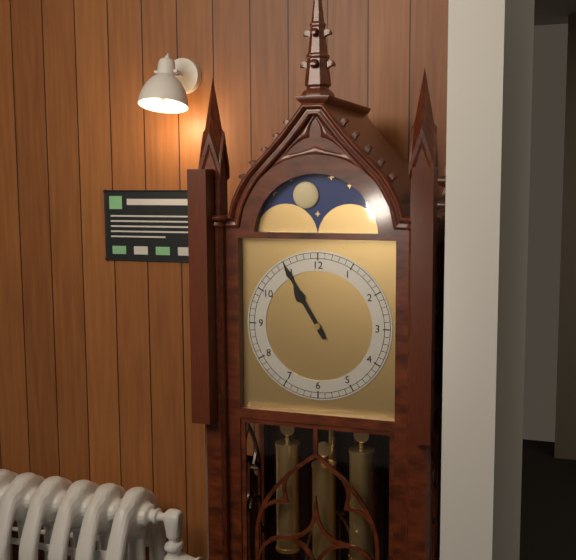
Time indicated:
**10:55**
